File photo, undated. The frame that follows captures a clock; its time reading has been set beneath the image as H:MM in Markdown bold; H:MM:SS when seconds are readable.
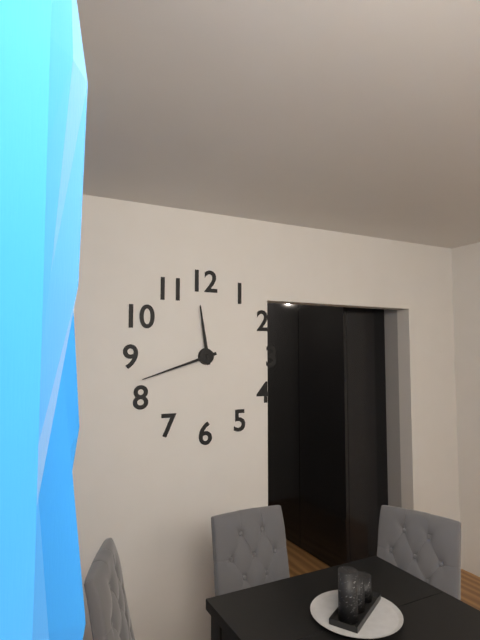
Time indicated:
**11:42**
